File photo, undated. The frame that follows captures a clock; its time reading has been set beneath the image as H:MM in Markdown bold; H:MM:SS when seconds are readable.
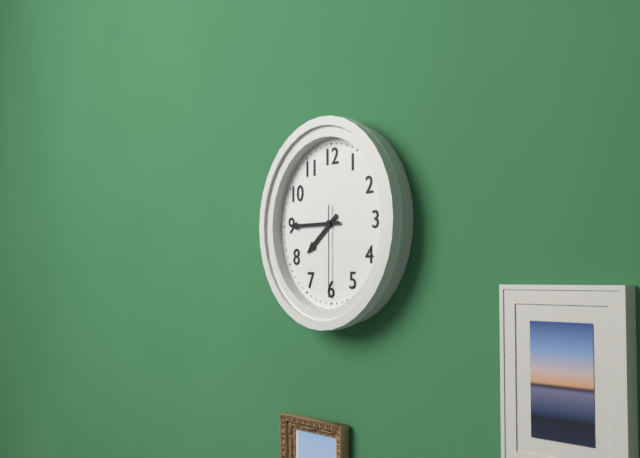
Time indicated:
**7:45:30**
